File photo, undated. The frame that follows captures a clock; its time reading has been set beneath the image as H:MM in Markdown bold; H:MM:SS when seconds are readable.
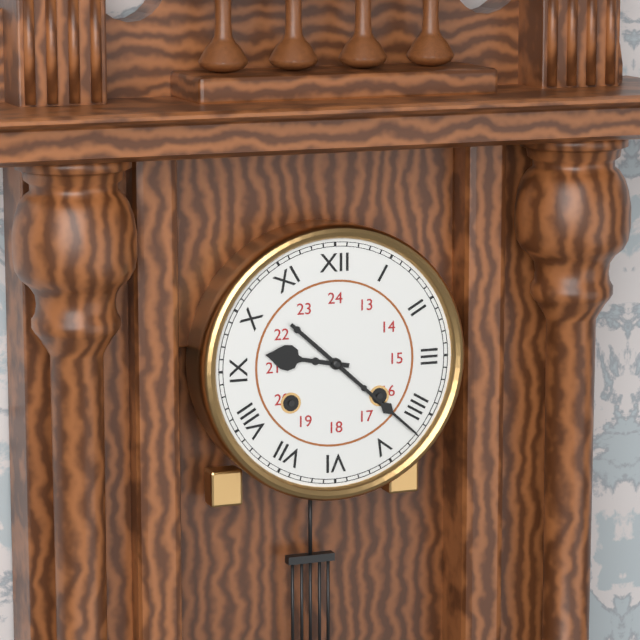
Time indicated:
**9:22**
